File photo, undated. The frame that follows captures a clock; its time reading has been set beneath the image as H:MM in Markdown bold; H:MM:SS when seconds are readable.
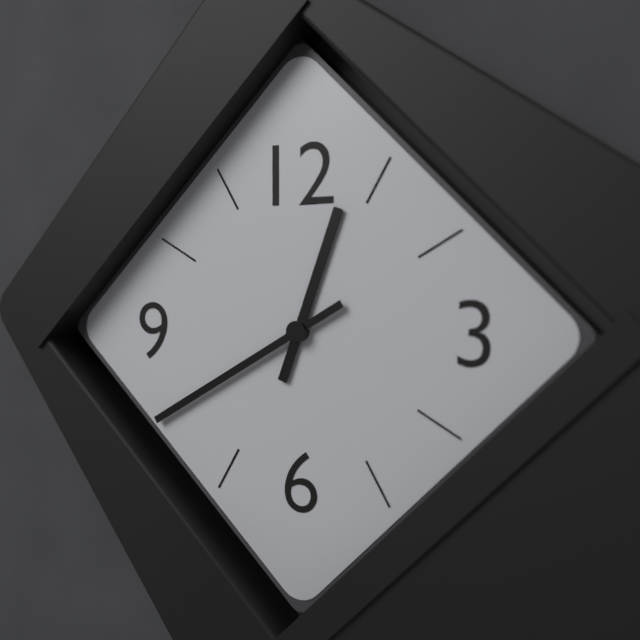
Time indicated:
**12:40**
